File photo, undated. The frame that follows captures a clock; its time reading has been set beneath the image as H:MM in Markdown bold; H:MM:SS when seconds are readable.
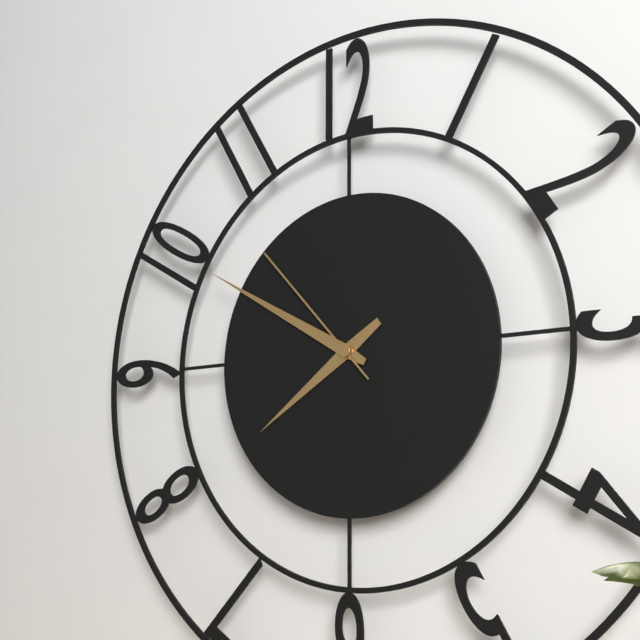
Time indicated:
**7:50:53**
